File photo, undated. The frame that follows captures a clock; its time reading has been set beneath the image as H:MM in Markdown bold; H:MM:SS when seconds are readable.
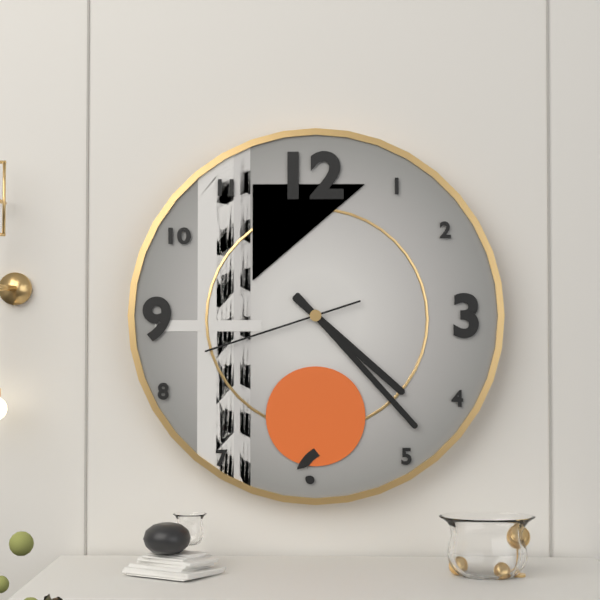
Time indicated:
**4:23:42**
